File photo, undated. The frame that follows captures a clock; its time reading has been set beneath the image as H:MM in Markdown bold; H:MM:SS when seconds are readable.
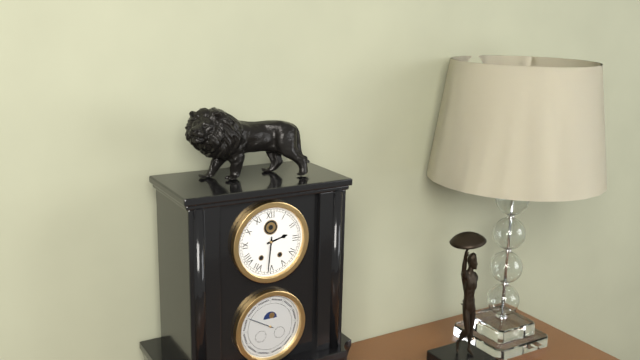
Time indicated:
**2:31**
